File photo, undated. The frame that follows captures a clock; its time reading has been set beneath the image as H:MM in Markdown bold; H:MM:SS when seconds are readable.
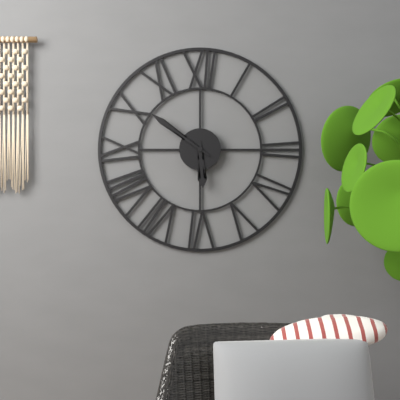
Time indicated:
**5:51**
